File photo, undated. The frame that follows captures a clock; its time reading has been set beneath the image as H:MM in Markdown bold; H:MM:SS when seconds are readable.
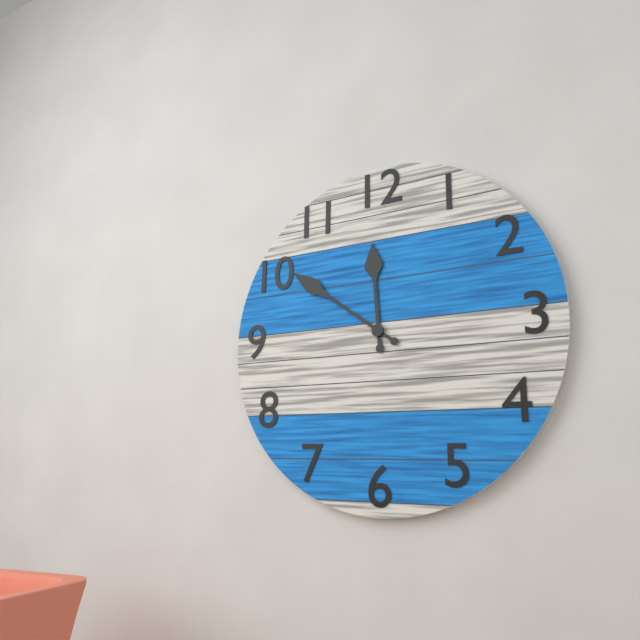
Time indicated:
**11:51**
